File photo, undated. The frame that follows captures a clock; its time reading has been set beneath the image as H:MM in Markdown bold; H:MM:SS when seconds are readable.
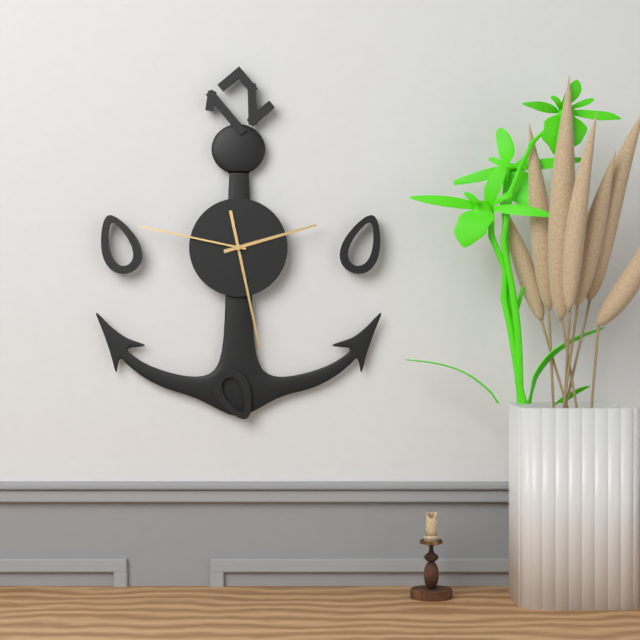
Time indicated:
**2:28:47**
